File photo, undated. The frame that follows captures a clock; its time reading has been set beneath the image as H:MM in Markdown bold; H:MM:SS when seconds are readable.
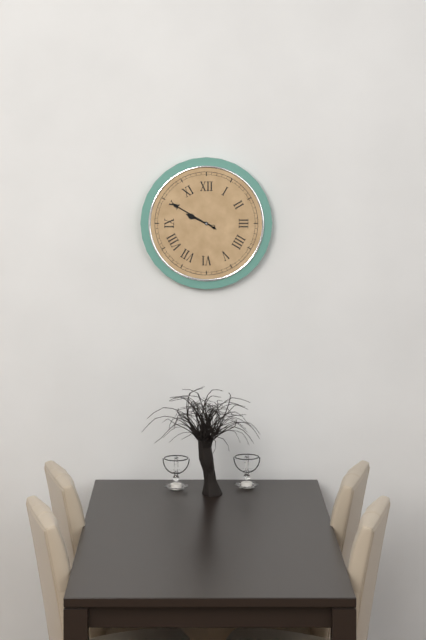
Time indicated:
**9:50**
